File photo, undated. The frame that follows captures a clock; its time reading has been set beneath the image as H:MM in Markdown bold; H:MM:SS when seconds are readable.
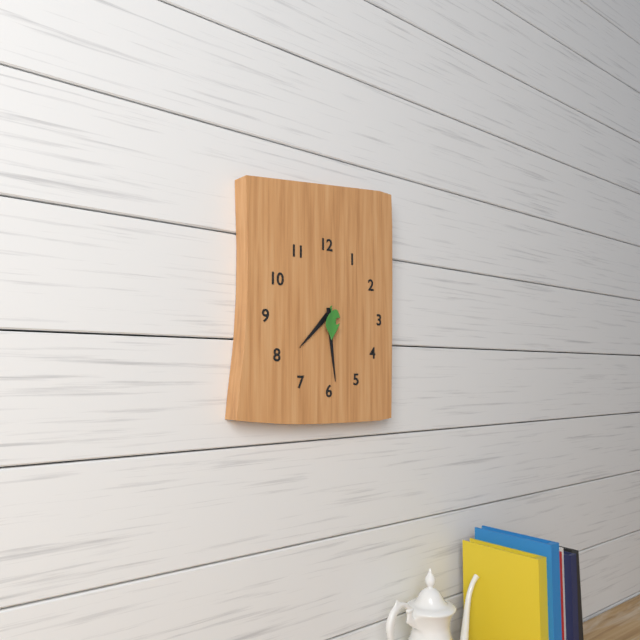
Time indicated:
**7:29**
